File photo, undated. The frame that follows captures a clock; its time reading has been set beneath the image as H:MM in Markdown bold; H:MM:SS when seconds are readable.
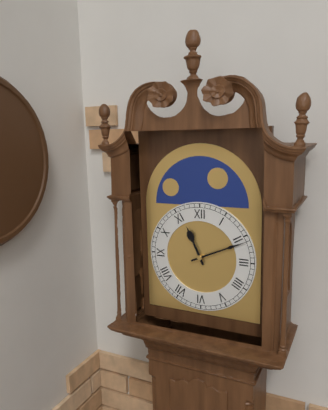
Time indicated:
**11:11**
